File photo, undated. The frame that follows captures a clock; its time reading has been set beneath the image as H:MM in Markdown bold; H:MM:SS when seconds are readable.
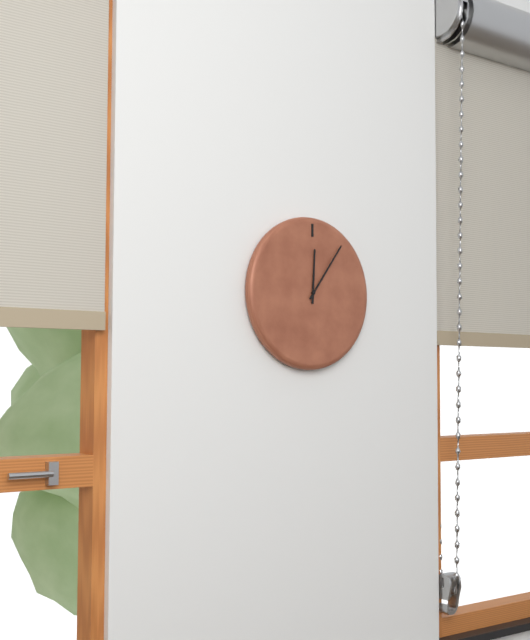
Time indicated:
**12:06**
